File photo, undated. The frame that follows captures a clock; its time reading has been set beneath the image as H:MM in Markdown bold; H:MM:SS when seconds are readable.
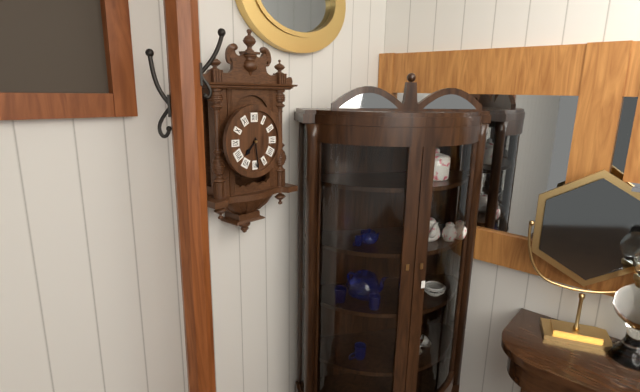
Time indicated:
**7:29**
